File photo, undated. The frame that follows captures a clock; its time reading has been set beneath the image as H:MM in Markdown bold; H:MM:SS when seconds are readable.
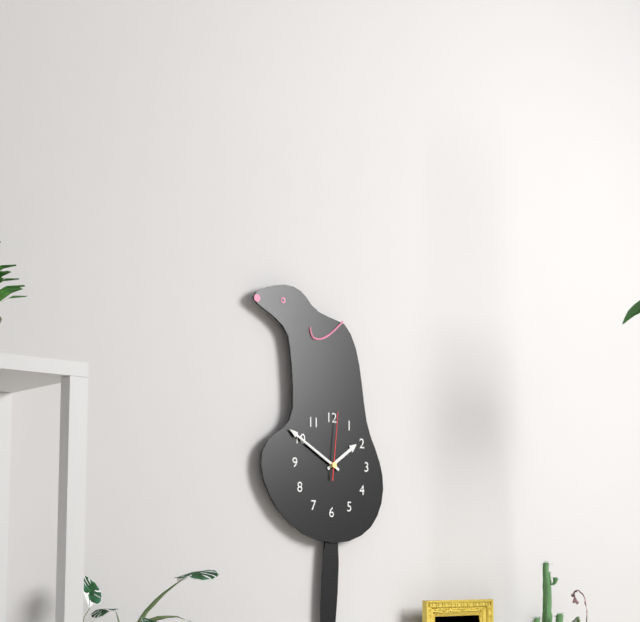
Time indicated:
**1:50:01**
